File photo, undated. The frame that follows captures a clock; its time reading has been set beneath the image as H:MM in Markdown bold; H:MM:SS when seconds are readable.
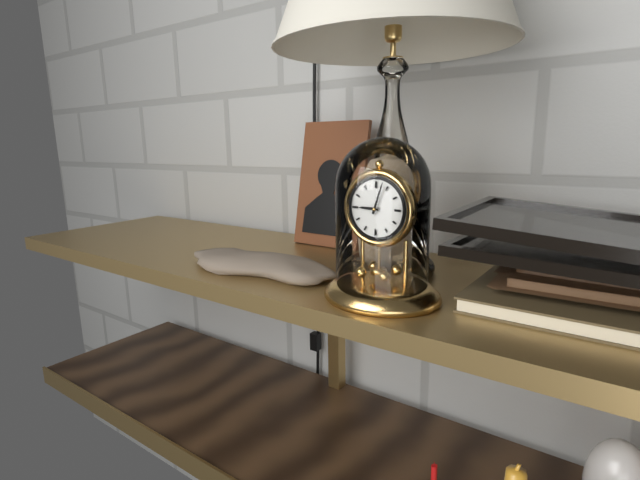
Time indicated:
**9:03**
